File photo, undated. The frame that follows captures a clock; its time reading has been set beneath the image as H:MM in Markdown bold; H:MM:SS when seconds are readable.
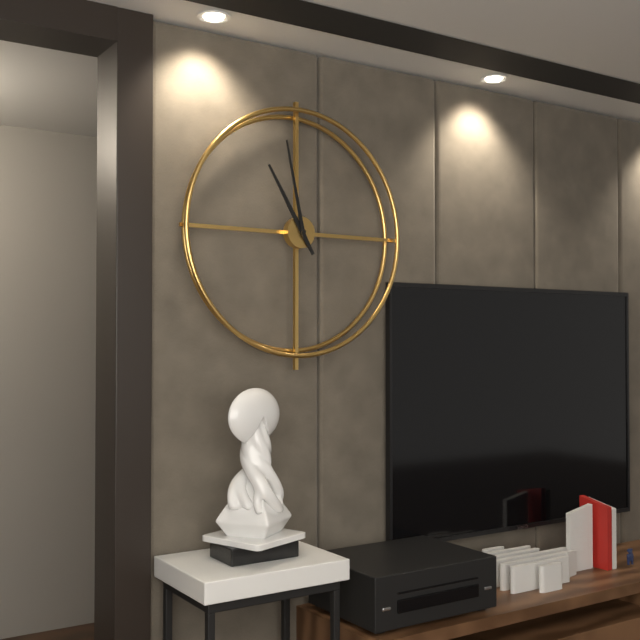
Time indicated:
**10:58**
